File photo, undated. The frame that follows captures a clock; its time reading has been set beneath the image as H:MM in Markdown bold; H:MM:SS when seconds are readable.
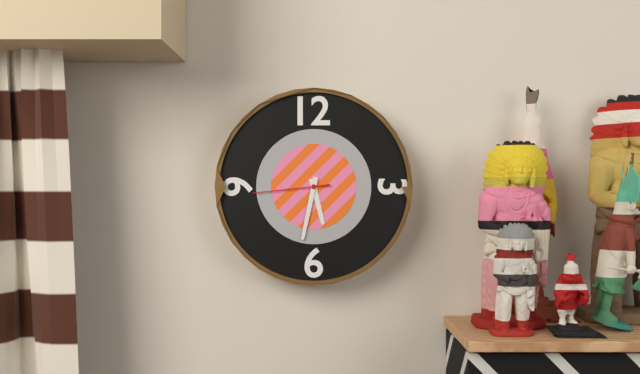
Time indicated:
**5:32:44**
